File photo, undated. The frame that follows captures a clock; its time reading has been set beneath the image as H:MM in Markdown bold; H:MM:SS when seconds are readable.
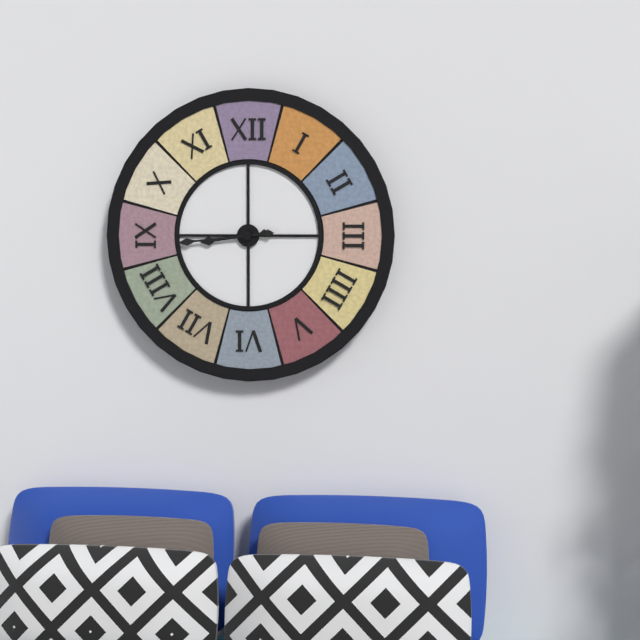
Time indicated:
**8:44**
